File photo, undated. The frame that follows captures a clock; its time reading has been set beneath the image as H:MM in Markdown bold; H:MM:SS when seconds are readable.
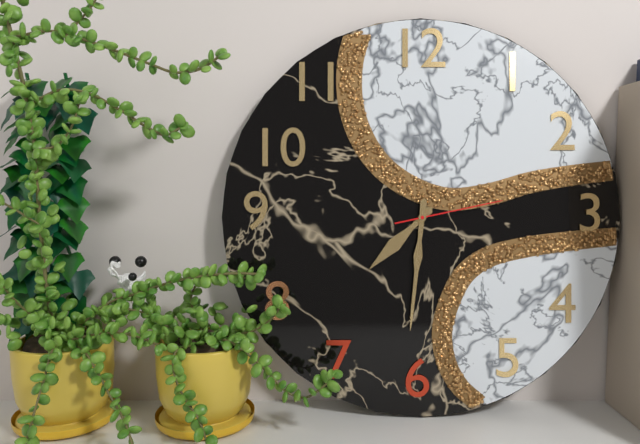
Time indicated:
**7:31:13**
